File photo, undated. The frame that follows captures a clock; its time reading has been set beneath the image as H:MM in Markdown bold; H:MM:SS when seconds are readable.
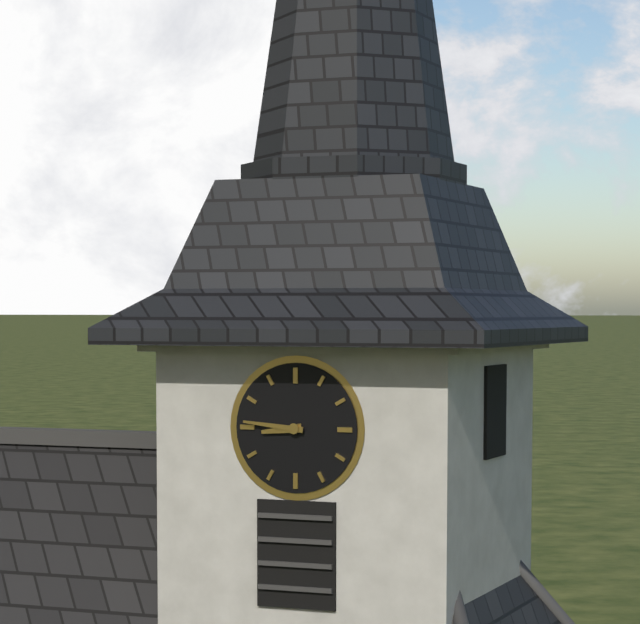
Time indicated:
**8:46**
